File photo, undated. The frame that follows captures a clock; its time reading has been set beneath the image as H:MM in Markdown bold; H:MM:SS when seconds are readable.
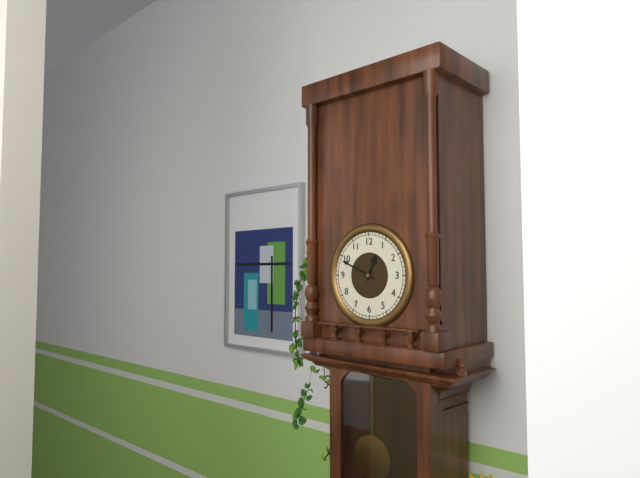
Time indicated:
**12:49**
